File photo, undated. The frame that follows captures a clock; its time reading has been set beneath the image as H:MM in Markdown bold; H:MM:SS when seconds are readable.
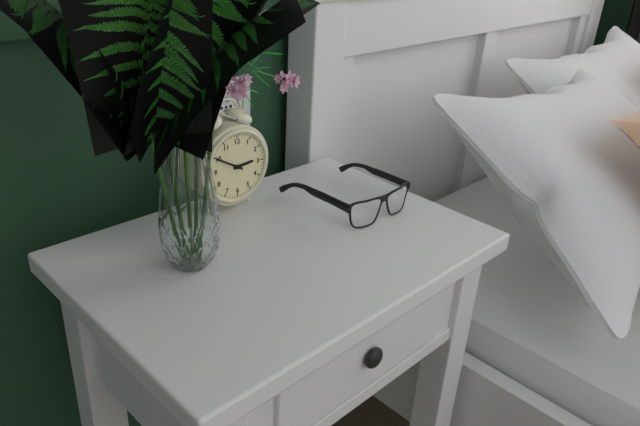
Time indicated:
**2:50**
